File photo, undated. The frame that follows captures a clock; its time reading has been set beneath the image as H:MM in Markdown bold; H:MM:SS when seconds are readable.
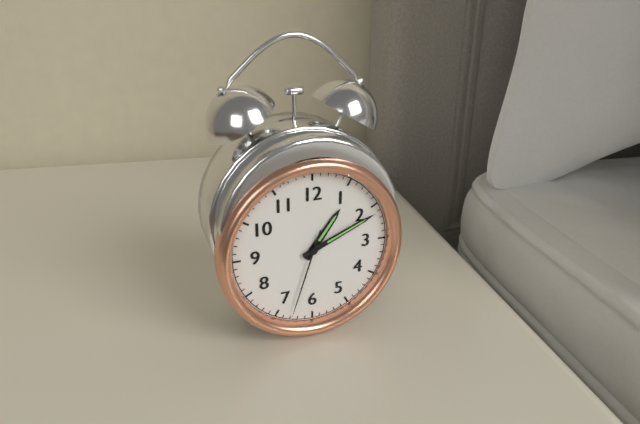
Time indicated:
**1:11:33**
